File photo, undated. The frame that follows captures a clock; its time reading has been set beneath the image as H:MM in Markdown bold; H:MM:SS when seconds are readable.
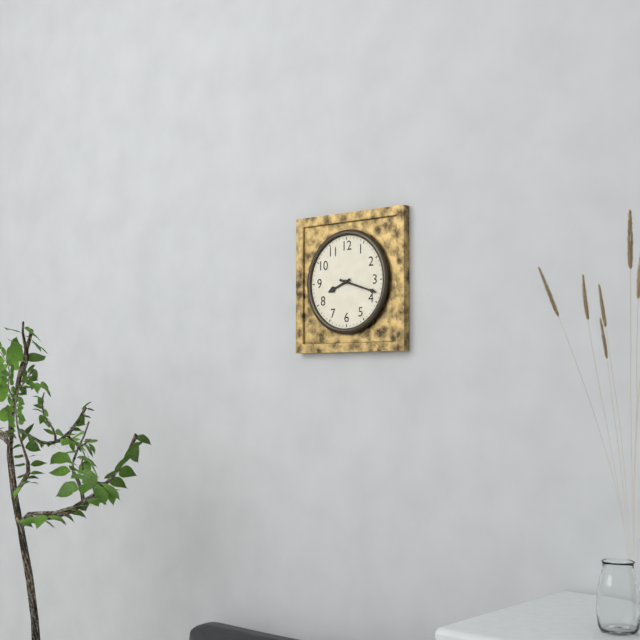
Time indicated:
**8:18**
